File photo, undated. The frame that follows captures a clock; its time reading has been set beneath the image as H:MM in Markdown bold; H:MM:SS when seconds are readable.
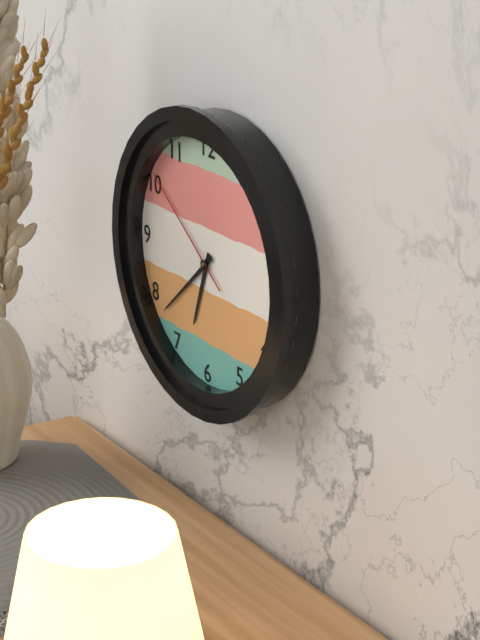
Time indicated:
**6:38:51**
